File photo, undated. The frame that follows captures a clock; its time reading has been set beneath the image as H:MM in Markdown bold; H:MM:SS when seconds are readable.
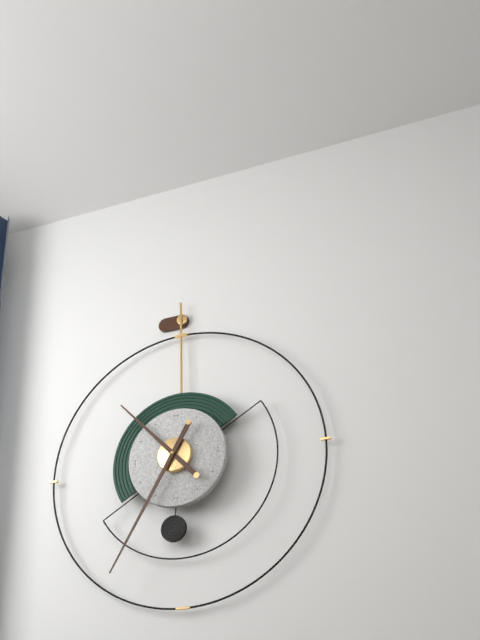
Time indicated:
**10:35**
